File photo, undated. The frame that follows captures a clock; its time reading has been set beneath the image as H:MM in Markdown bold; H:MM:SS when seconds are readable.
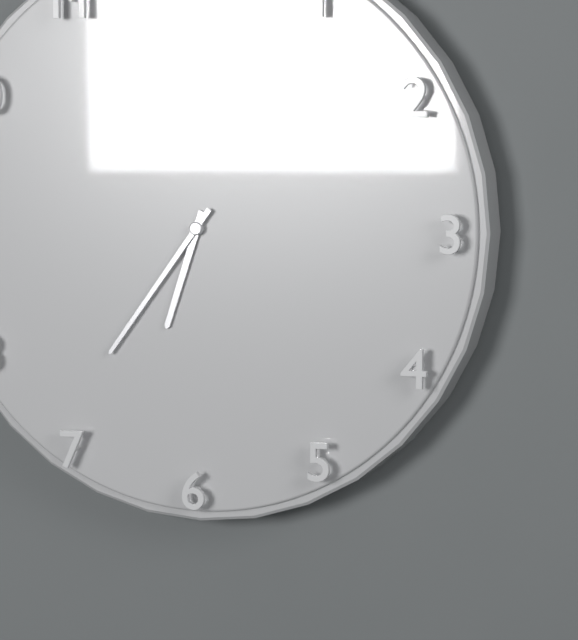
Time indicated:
**6:36**
